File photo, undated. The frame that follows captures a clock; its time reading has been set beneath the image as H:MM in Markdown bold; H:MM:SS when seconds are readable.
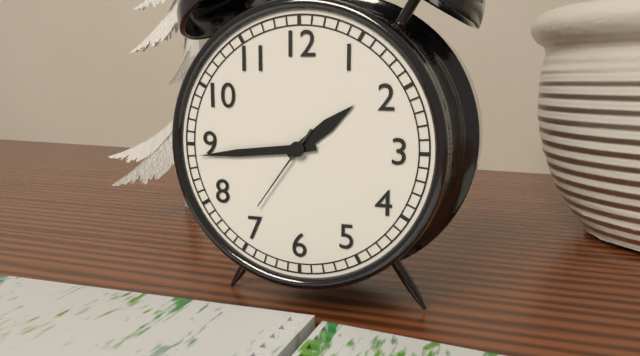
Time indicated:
**1:44:36**
